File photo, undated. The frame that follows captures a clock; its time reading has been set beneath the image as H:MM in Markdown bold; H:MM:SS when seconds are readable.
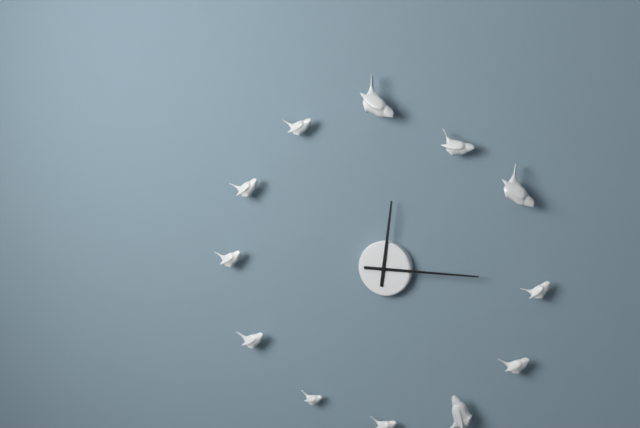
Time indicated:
**12:15**
